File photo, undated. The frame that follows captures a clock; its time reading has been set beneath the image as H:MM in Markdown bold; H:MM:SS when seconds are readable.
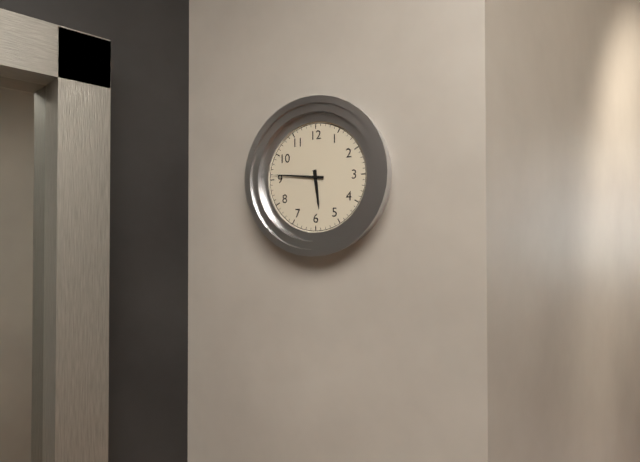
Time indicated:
**5:46**
